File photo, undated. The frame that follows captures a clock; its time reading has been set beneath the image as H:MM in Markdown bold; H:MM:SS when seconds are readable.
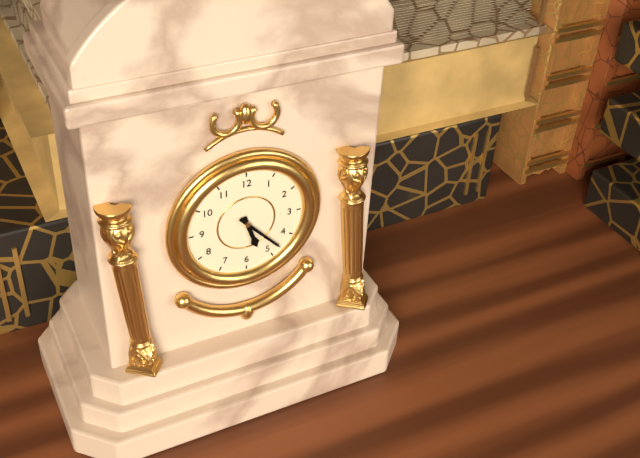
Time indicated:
**5:23**
